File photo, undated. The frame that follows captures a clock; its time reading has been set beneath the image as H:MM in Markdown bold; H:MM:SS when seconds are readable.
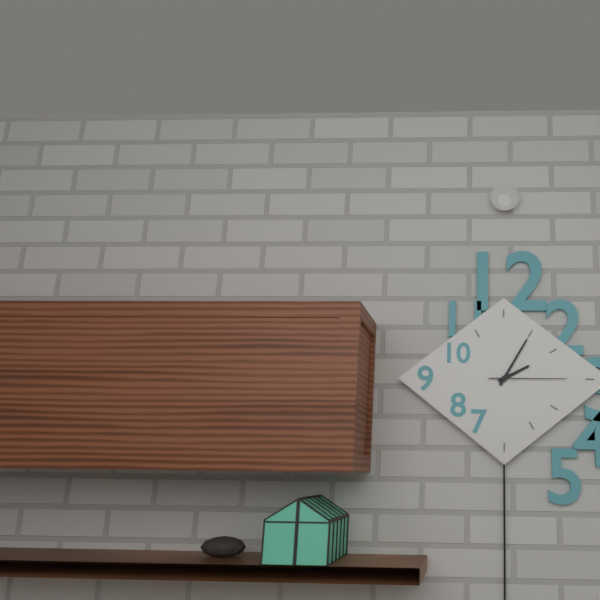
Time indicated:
**2:05:15**
